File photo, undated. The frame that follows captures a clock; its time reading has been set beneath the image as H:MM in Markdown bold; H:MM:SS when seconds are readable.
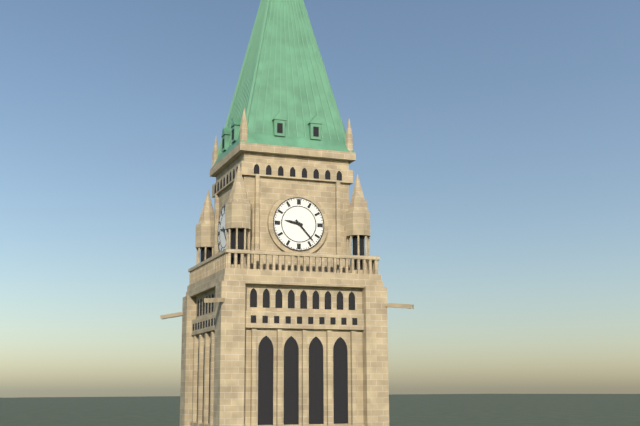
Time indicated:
**9:23**
